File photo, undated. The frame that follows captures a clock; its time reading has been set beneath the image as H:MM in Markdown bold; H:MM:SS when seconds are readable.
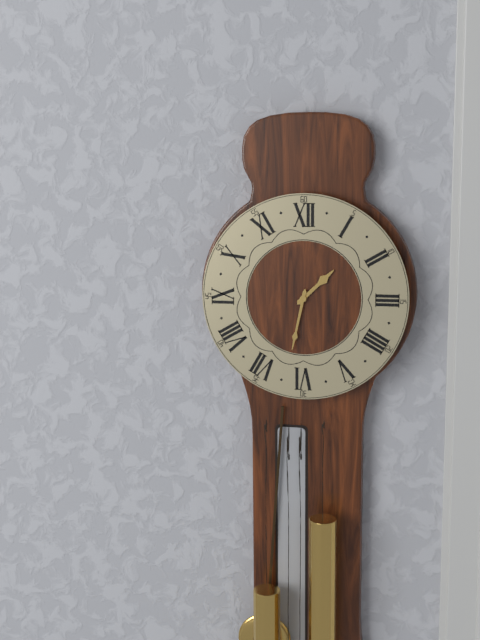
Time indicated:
**1:32**
